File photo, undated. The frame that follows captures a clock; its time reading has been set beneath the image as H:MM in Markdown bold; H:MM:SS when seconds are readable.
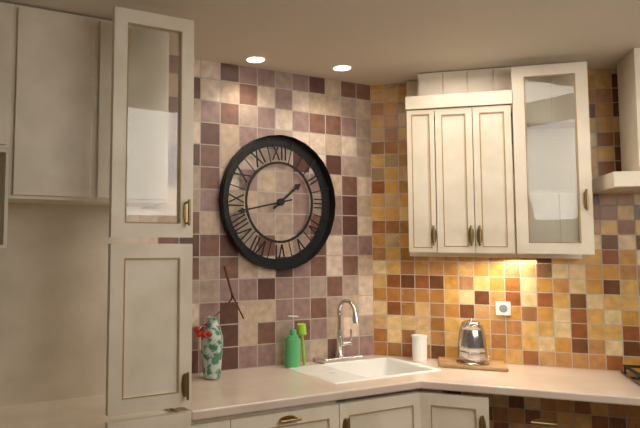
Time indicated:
**1:43**
